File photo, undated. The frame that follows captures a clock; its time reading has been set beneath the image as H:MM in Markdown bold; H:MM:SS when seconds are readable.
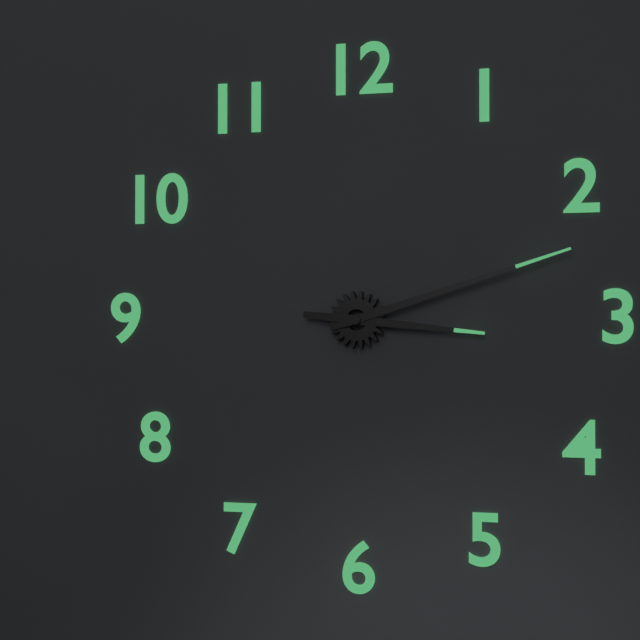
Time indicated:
**3:12**
